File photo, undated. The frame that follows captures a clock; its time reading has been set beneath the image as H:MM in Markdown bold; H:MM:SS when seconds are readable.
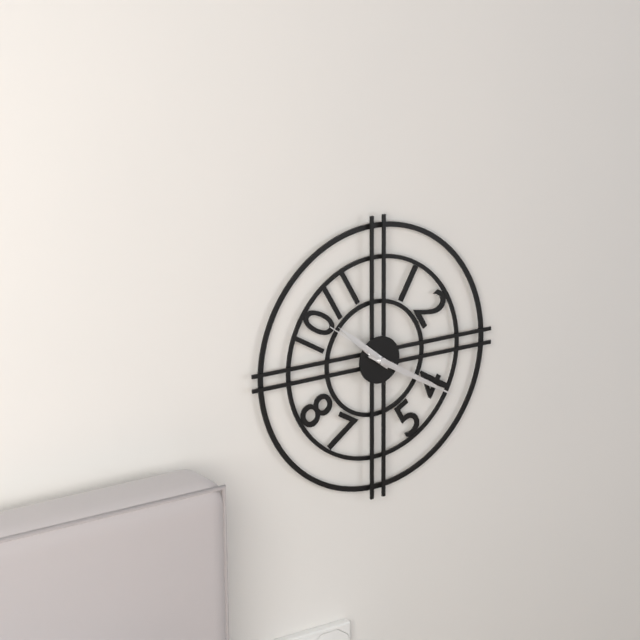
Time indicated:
**10:20:51**
